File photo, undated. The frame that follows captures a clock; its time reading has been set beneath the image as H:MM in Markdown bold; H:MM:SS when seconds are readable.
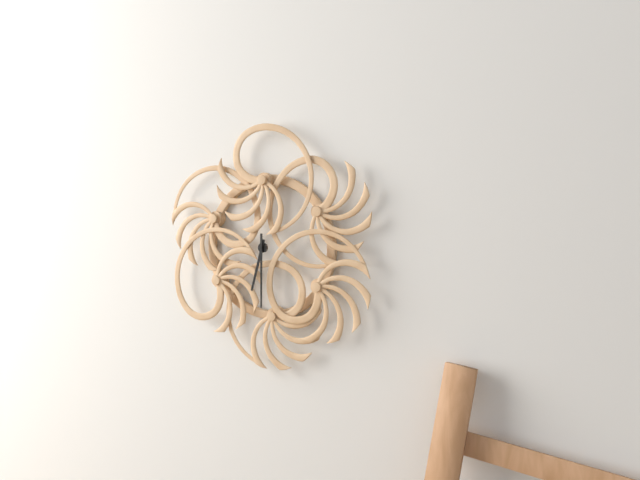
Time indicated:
**6:30**
